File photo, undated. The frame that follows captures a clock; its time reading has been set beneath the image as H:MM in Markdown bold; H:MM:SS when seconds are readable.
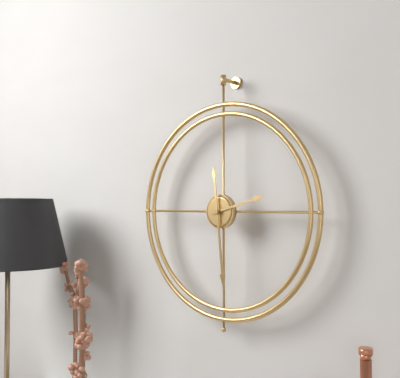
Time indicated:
**2:29**
